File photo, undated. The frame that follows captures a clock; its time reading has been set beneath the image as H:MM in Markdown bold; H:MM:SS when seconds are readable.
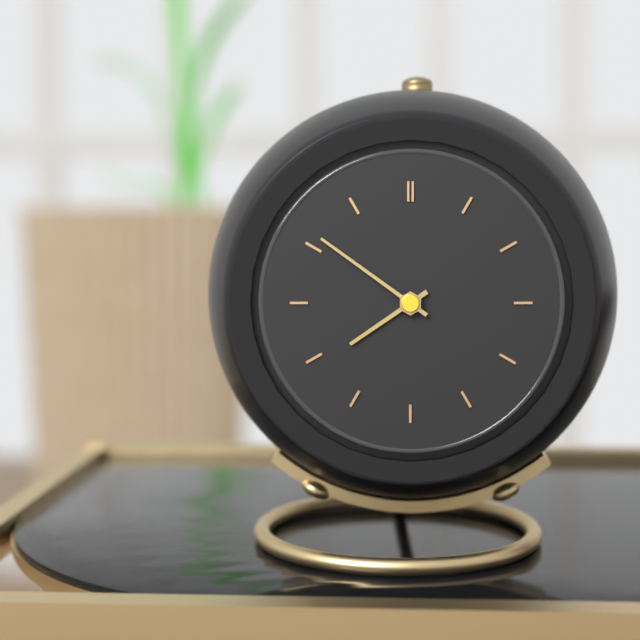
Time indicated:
**7:51**
